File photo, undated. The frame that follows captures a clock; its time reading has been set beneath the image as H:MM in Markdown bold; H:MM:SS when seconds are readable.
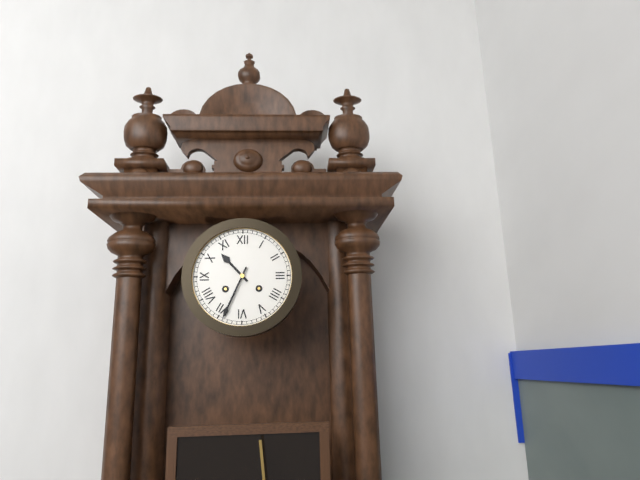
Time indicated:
**10:34**
